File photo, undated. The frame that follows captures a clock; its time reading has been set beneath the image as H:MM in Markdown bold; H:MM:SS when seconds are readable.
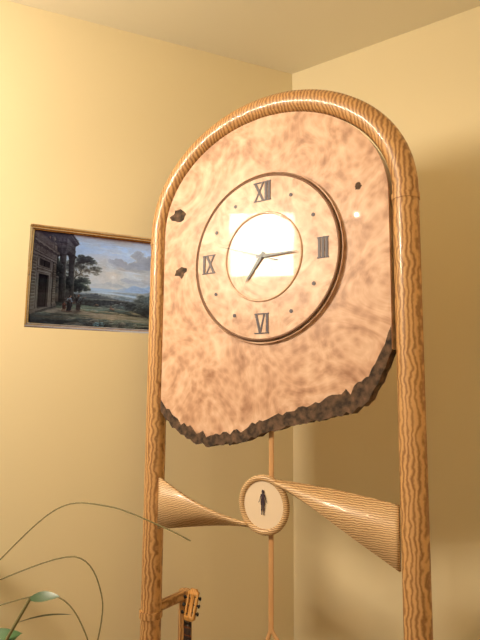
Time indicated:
**7:15:48**
